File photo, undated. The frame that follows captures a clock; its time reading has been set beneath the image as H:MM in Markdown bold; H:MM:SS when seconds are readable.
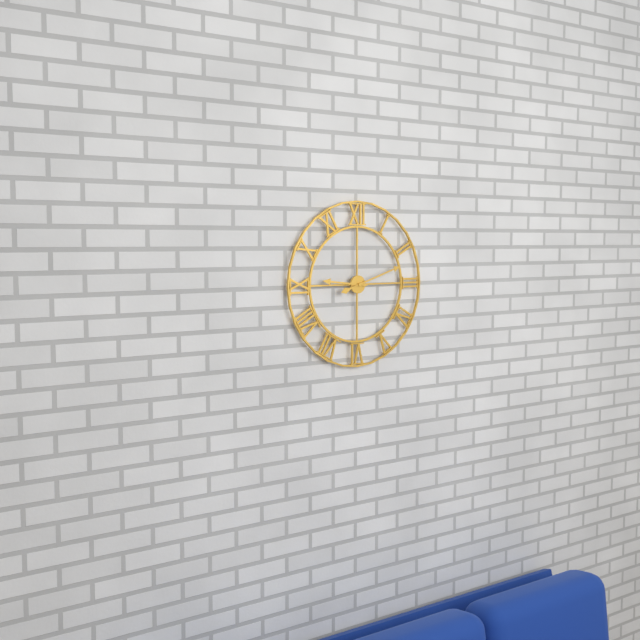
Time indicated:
**9:12**
